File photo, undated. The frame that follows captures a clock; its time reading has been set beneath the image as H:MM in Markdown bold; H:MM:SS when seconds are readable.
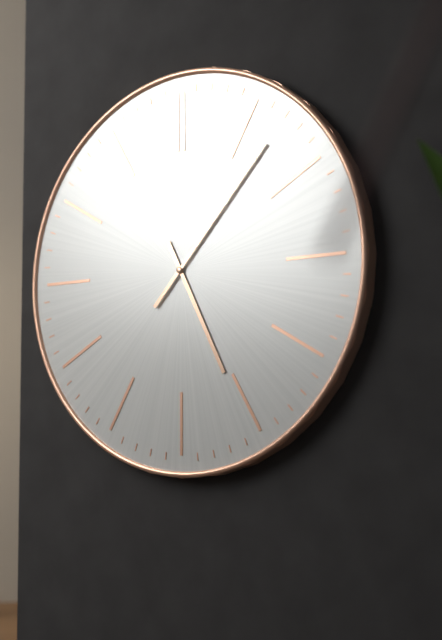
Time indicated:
**5:07**
